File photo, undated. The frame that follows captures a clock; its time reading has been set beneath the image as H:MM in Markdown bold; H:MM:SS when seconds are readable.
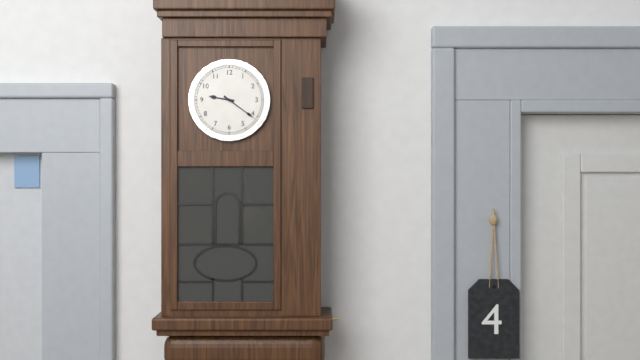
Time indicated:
**9:21**
